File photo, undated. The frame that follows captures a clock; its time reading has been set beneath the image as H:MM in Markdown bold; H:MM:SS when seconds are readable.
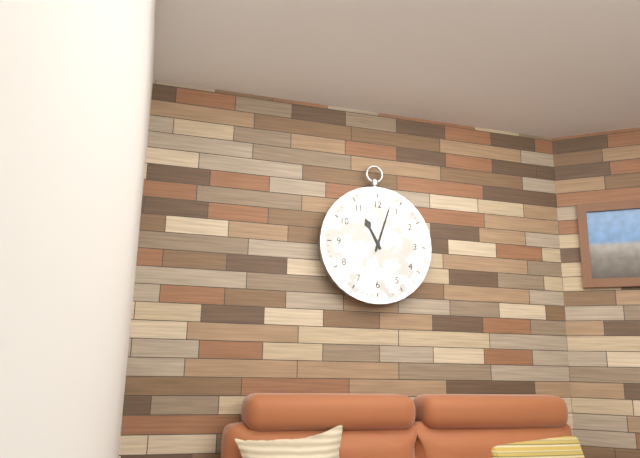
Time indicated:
**11:03**
